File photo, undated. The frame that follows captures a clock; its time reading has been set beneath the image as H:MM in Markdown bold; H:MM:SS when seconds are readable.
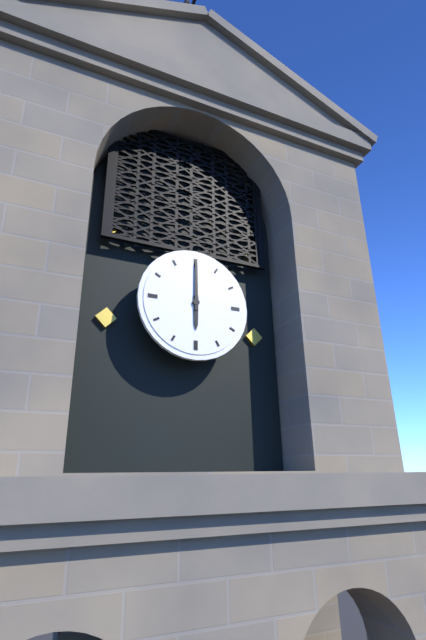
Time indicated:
**6:00**
